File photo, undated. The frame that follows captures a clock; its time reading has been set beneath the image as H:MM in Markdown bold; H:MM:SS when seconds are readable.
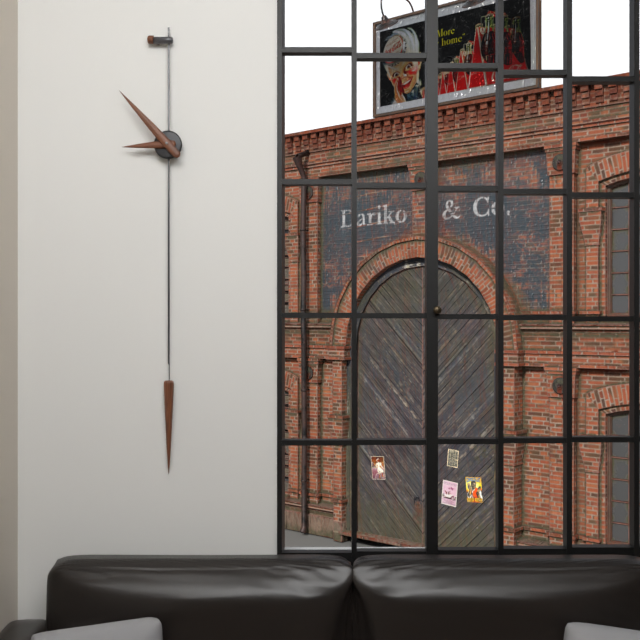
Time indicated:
**8:53**
